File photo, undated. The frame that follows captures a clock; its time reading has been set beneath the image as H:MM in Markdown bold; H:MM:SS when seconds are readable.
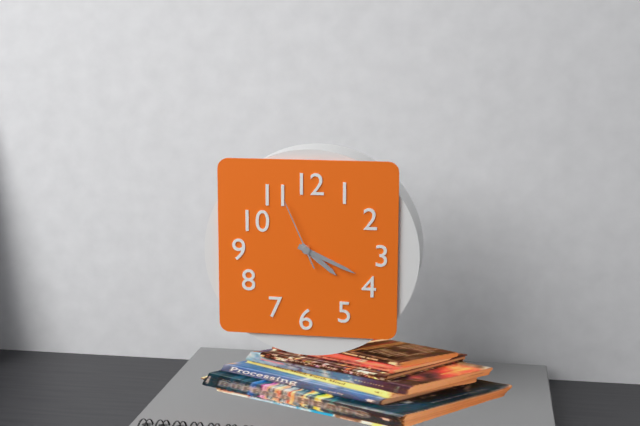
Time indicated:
**4:19:56**
